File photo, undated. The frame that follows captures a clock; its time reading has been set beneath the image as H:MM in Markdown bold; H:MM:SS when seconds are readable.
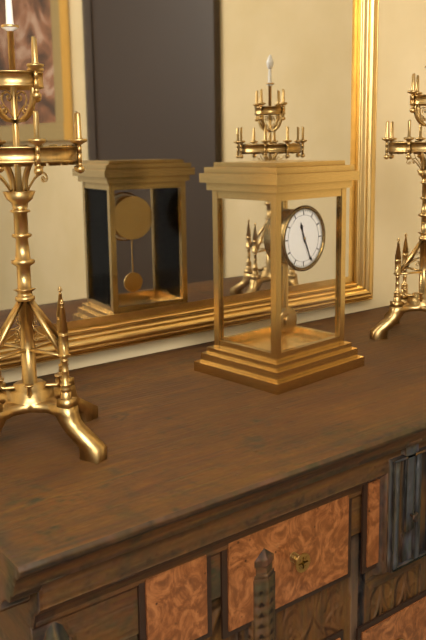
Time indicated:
**11:26**
